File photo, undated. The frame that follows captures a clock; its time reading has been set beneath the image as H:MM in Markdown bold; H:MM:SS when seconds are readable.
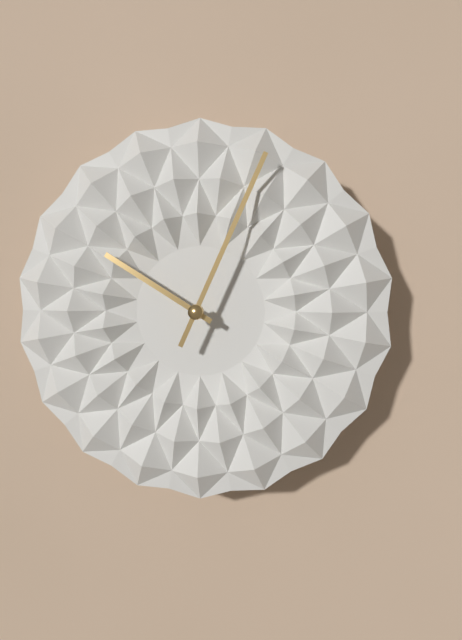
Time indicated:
**10:04**
